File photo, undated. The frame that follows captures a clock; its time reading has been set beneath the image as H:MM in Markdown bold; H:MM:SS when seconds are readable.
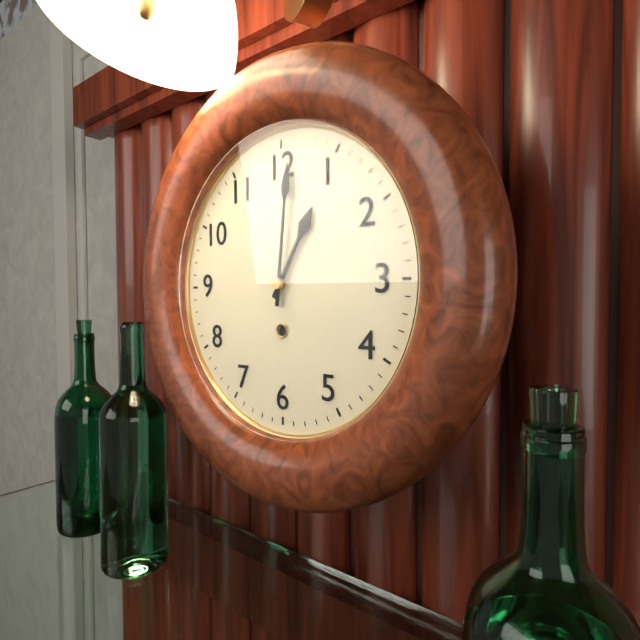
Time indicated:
**1:01**
